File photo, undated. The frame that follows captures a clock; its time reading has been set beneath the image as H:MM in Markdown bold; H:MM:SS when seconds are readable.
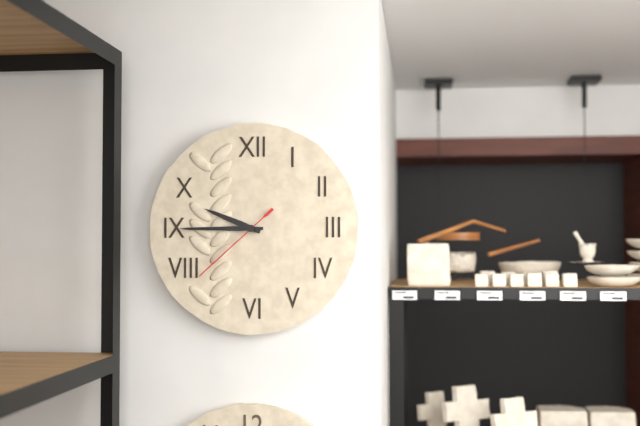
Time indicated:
**9:45:38**
